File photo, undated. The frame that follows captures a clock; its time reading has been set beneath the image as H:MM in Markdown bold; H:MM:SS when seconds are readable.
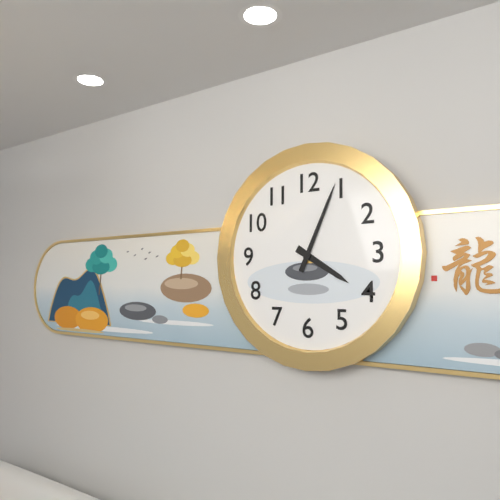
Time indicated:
**4:04**
